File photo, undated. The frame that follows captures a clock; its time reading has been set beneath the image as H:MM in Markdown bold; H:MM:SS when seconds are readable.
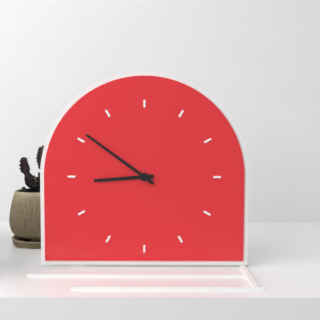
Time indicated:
**8:51**
